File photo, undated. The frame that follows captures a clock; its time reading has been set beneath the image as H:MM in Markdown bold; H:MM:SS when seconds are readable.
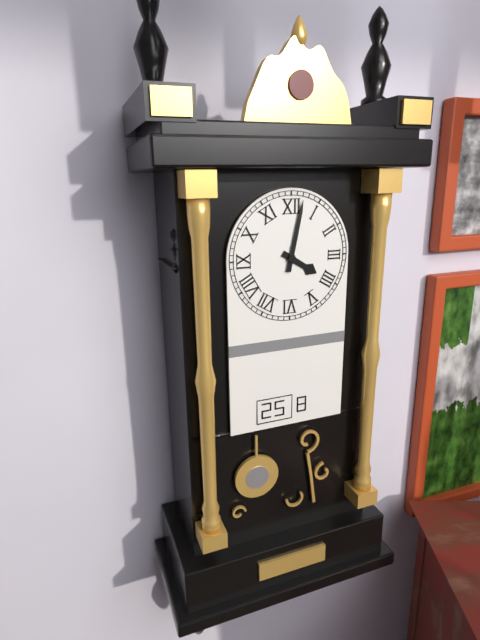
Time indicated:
**4:02**
